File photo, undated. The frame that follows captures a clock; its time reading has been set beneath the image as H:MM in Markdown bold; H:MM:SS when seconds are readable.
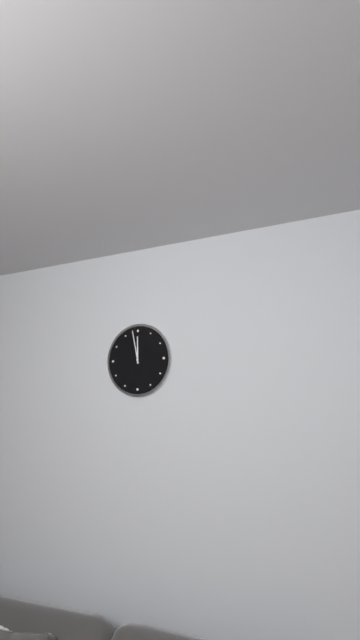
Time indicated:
**11:58**
